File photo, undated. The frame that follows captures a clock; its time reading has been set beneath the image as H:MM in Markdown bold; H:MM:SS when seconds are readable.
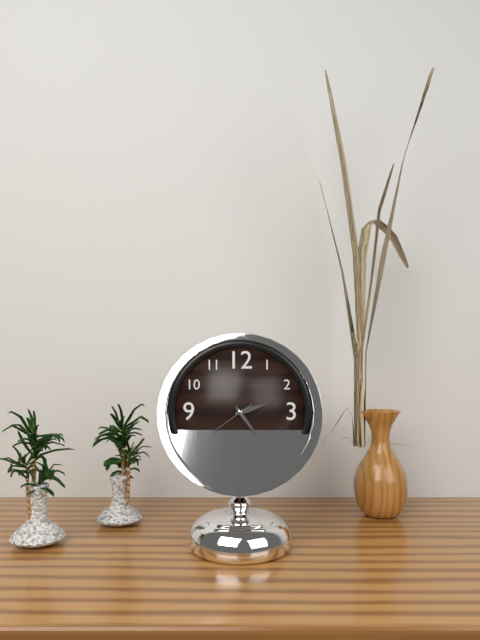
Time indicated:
**2:24:39**
